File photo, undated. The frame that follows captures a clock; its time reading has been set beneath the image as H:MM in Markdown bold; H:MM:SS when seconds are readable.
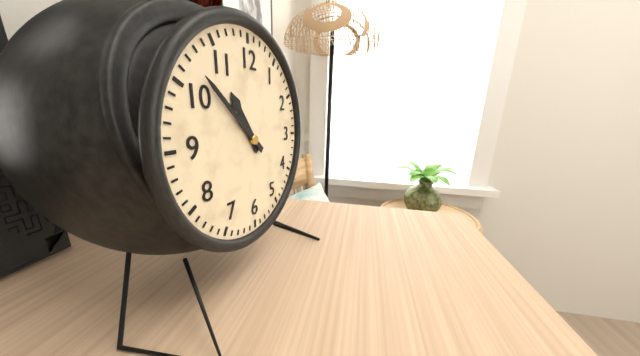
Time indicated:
**10:52**
